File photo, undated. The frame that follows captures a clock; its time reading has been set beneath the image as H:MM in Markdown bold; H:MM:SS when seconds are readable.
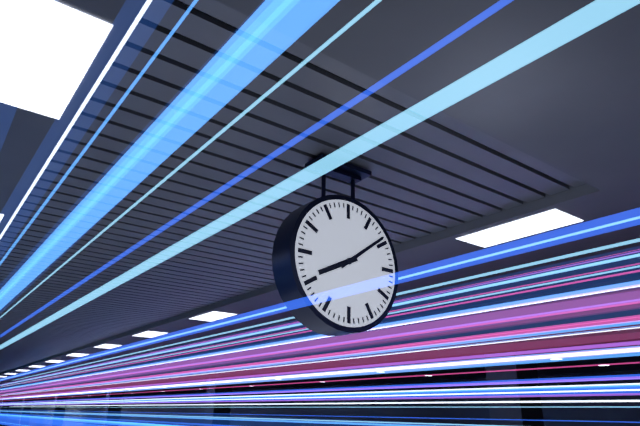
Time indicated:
**8:09**
